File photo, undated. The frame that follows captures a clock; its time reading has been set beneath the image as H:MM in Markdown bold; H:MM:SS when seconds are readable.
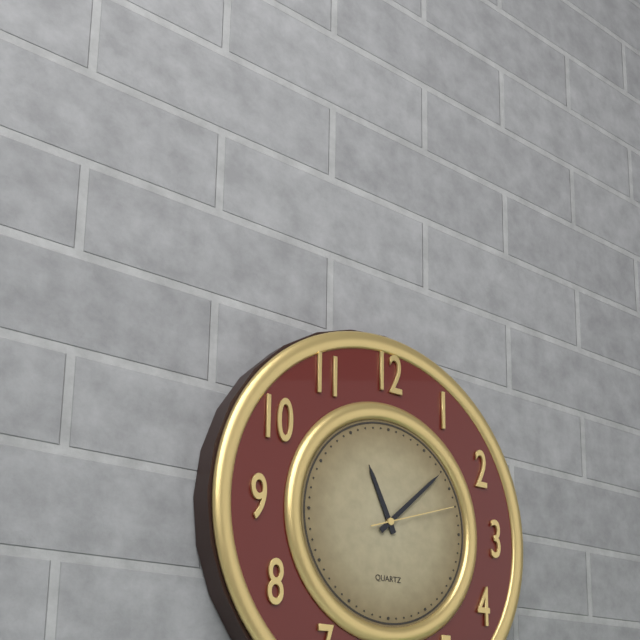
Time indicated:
**11:08:12**
